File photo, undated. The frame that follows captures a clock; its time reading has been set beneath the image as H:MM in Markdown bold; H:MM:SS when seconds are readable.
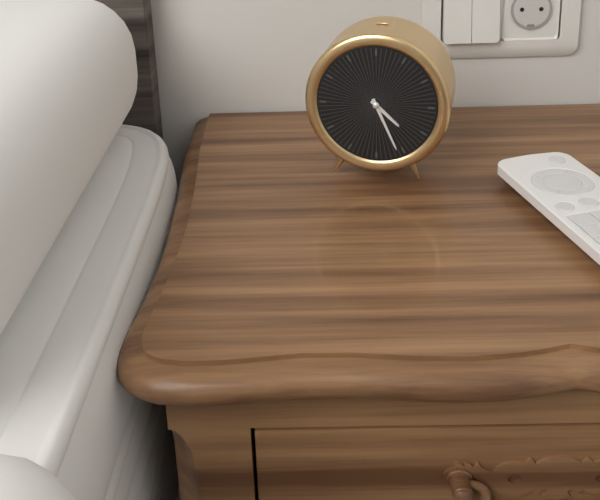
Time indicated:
**4:26**
